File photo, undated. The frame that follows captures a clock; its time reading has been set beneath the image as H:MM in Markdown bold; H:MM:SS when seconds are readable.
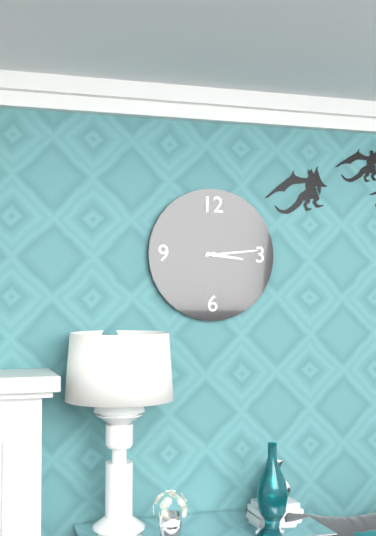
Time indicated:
**3:14**
